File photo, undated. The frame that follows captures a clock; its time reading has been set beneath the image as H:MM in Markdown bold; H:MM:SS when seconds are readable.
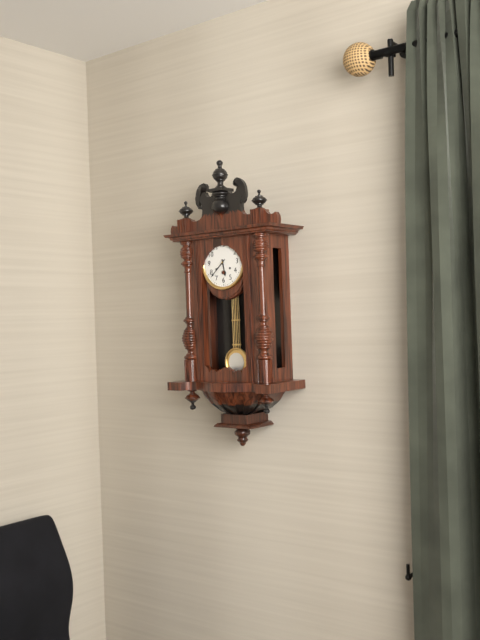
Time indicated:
**5:38**
